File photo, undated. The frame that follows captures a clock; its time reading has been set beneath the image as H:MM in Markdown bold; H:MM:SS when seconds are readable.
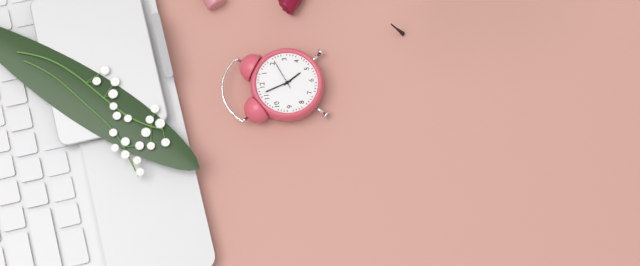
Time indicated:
**4:57**
